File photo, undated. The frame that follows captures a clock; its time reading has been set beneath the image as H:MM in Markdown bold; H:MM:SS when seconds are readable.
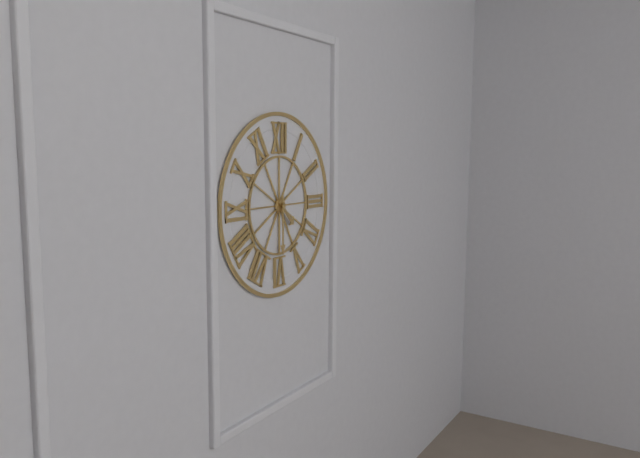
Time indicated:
**4:30**
